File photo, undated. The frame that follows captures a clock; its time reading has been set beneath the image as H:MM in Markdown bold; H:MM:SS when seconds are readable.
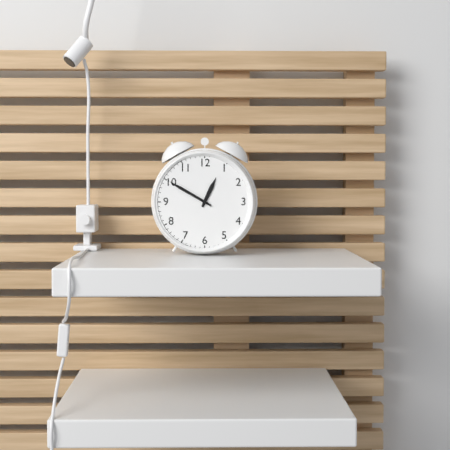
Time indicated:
**12:50**
